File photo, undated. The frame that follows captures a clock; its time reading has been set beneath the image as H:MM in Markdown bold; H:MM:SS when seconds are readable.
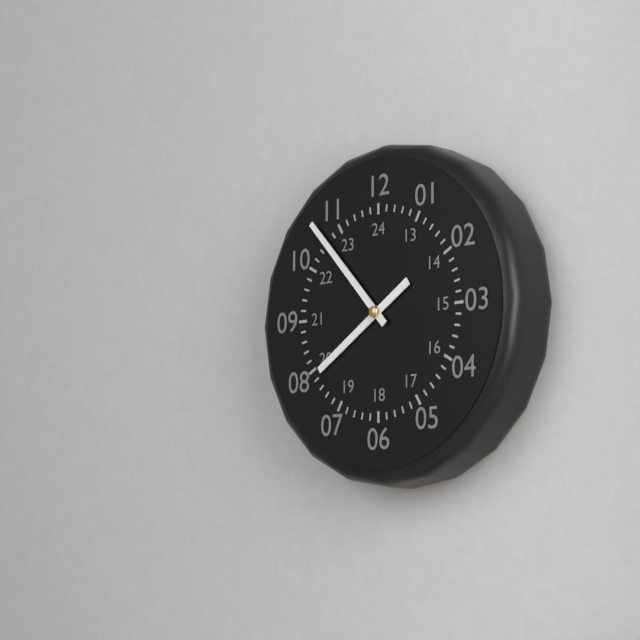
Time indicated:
**7:53**
